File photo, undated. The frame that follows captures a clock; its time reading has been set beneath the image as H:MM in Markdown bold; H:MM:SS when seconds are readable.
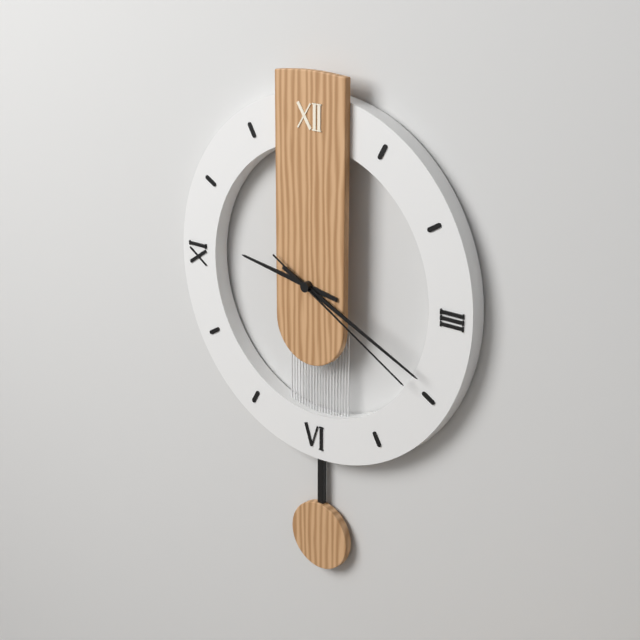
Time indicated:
**9:19:20**
